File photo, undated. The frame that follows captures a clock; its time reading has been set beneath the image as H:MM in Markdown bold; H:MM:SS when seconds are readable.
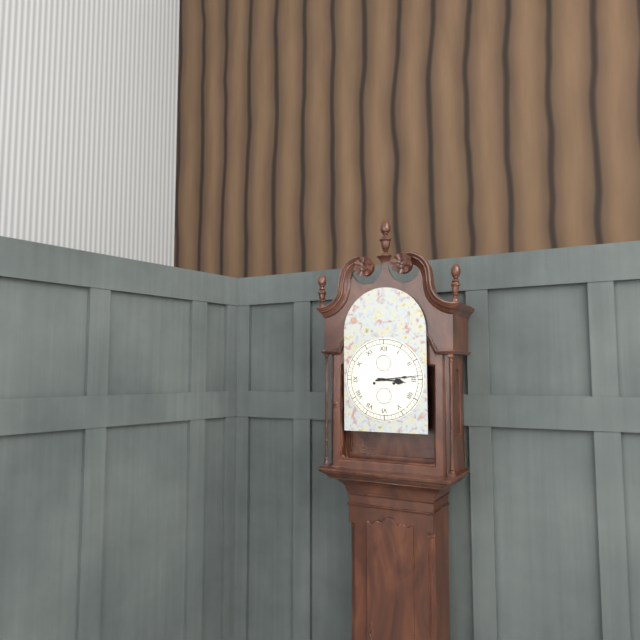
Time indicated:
**3:14**
